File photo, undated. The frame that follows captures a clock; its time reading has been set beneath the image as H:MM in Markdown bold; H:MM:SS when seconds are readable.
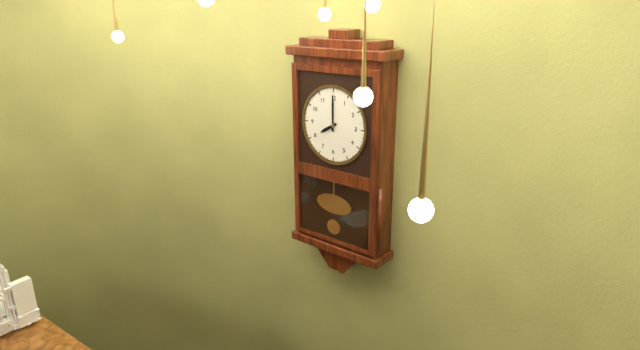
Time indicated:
**8:00**
